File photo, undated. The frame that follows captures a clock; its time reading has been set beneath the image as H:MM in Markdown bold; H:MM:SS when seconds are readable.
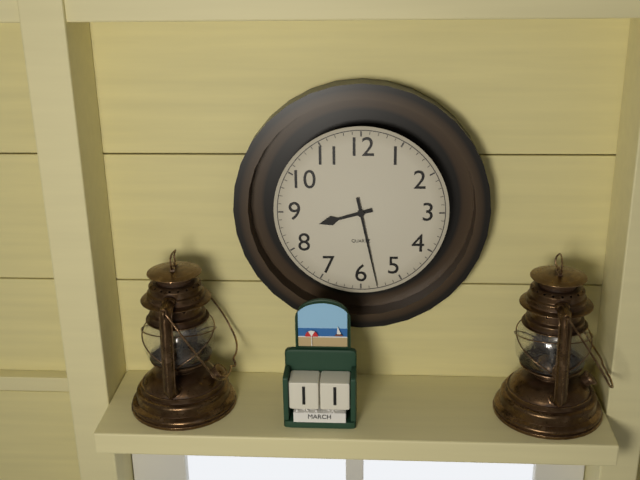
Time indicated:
**8:28**
